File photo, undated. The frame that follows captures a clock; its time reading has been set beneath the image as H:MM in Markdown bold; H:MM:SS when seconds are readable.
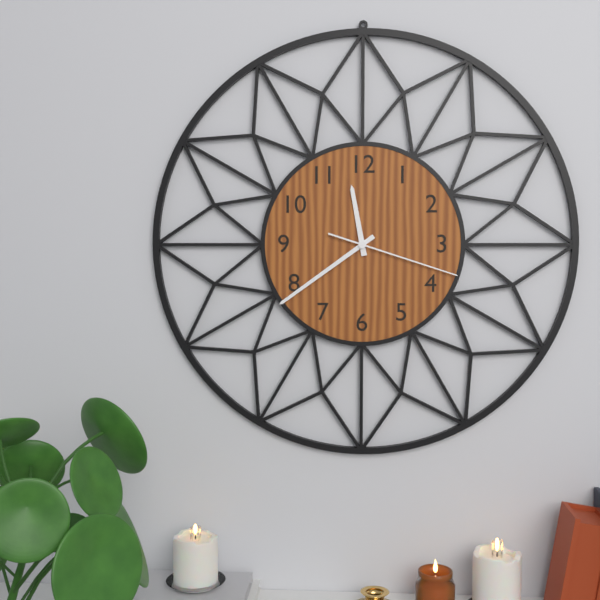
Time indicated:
**11:39:18**
